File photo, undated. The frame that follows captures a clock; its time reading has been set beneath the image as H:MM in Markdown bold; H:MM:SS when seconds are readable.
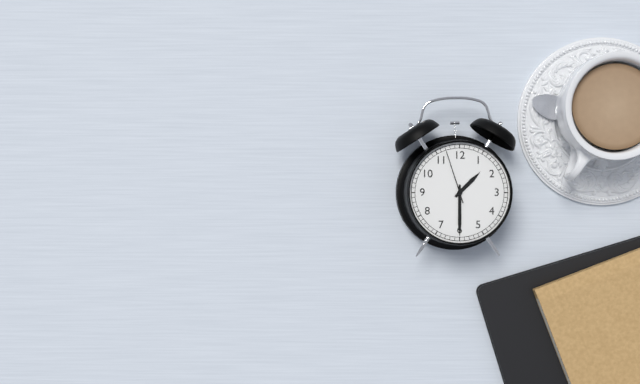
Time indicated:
**1:30:57**
